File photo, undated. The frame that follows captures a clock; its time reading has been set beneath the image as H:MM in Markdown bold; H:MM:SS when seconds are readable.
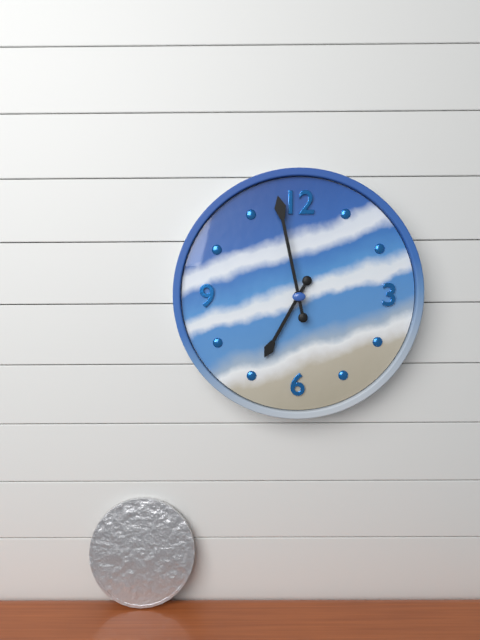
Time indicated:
**6:58**
